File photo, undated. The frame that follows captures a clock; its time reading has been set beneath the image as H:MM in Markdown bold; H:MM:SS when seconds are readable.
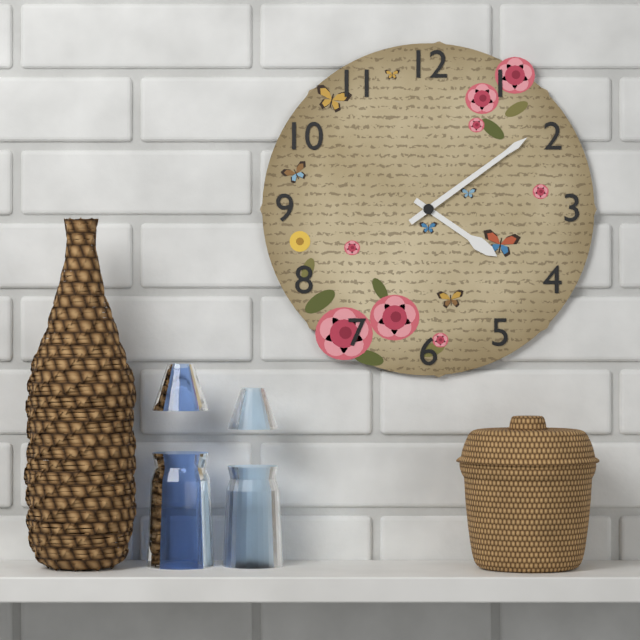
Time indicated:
**4:09**
